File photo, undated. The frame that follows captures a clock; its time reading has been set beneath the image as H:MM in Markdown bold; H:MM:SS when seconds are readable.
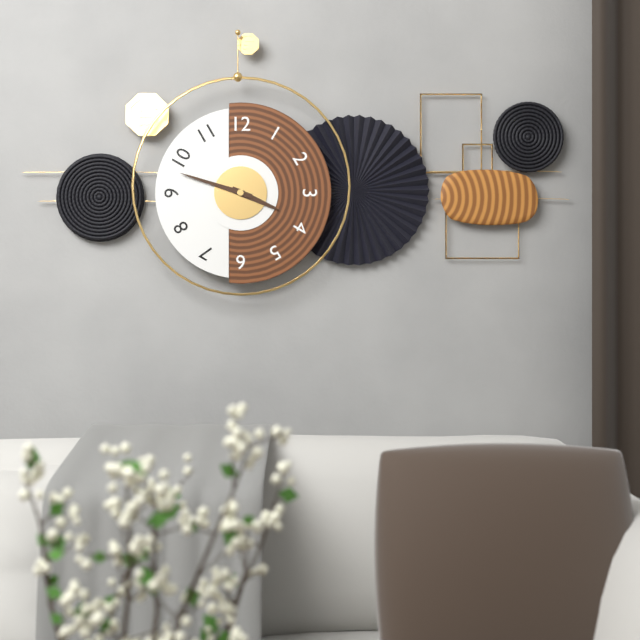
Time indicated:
**3:48**
